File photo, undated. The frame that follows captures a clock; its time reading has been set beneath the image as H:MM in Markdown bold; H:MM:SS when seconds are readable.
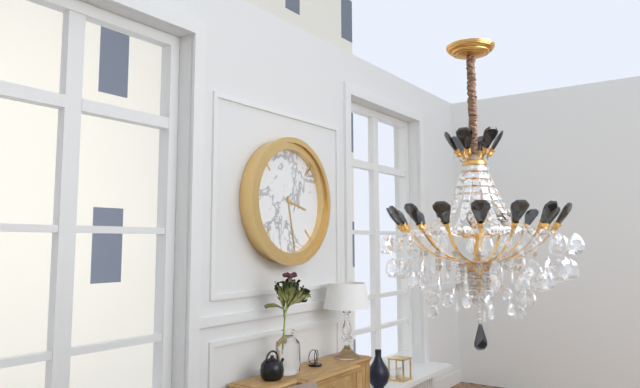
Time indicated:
**3:28**
